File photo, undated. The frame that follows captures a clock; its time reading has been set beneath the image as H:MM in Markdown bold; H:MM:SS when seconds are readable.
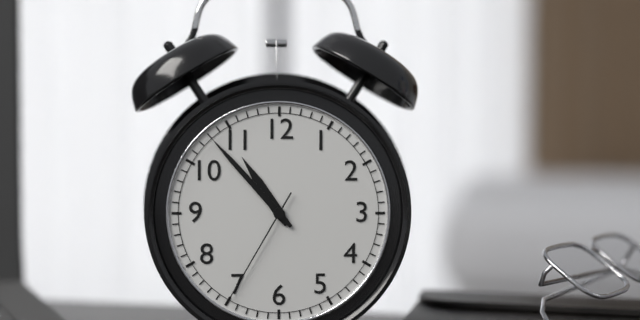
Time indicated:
**10:53:35**
